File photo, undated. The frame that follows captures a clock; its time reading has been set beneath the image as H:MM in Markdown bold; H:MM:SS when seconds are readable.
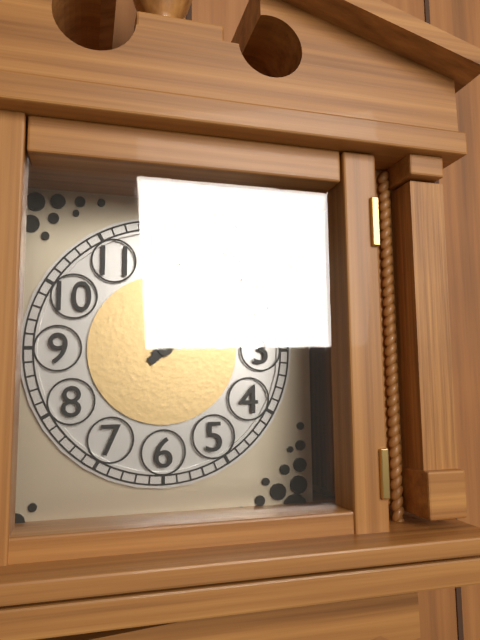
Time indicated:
**2:08**
